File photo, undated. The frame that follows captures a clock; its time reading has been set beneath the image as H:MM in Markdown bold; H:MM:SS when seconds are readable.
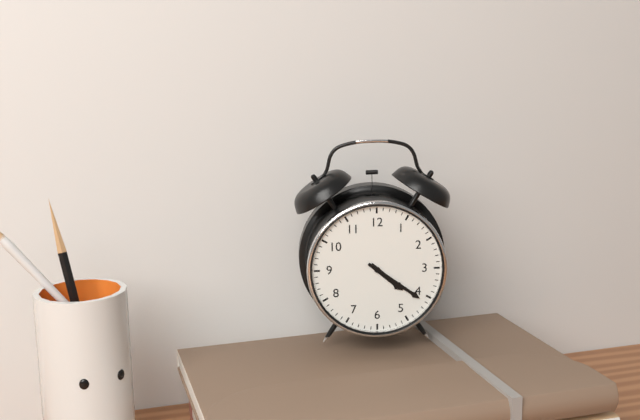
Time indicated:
**4:21**
